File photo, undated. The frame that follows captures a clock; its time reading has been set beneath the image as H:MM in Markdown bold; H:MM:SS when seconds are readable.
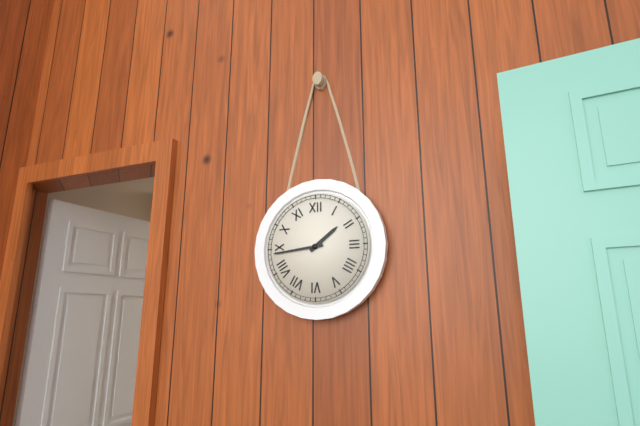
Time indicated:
**1:44**
